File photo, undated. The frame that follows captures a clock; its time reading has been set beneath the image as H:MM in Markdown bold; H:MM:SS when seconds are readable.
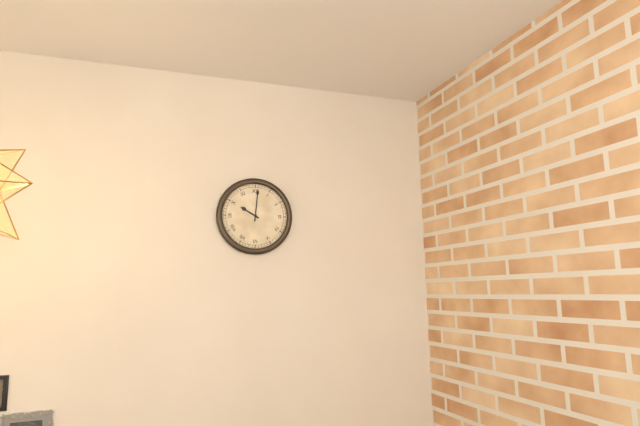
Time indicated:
**10:01**
